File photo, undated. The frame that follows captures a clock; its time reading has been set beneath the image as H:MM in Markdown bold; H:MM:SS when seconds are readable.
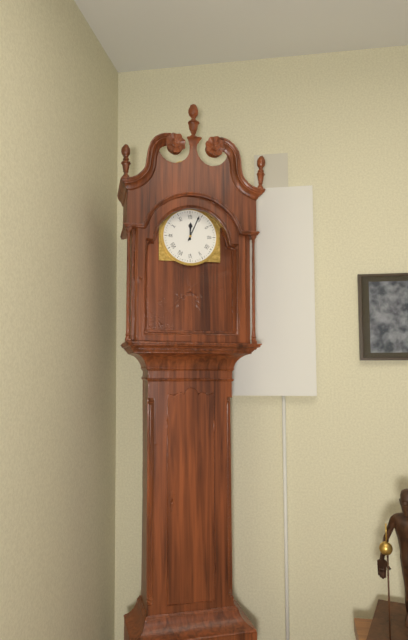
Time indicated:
**12:04**
